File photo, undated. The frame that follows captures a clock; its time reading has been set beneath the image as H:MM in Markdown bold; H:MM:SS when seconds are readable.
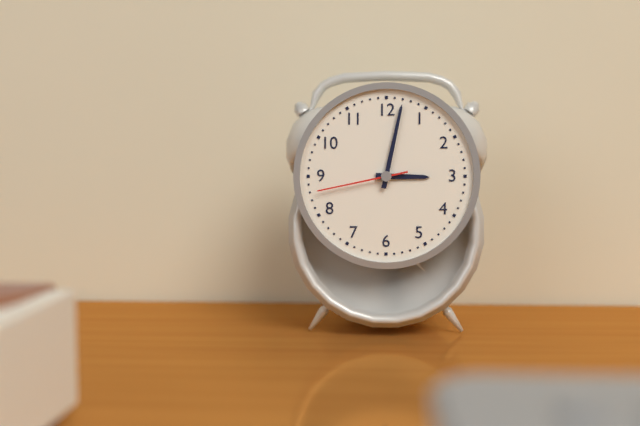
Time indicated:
**3:02:43**
